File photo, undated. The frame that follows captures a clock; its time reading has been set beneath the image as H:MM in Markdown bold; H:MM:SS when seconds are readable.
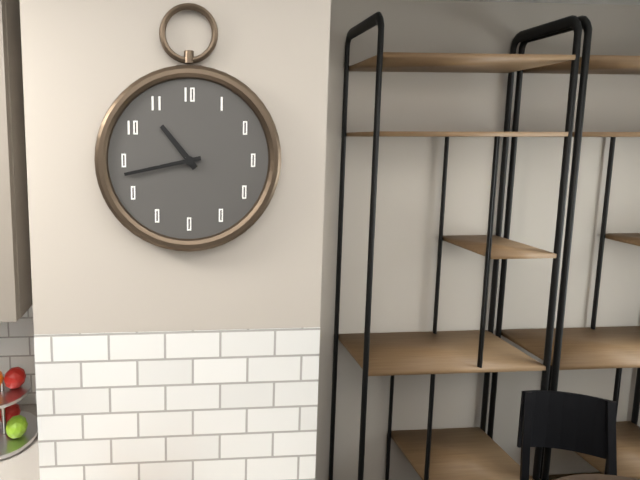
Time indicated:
**10:43**
